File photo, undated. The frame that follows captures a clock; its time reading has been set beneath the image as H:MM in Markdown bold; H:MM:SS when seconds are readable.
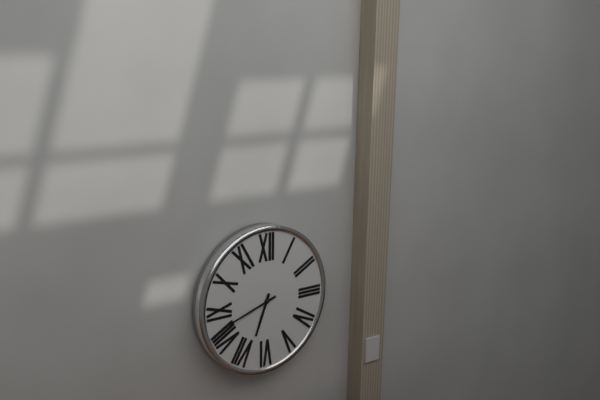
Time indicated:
**6:42**
